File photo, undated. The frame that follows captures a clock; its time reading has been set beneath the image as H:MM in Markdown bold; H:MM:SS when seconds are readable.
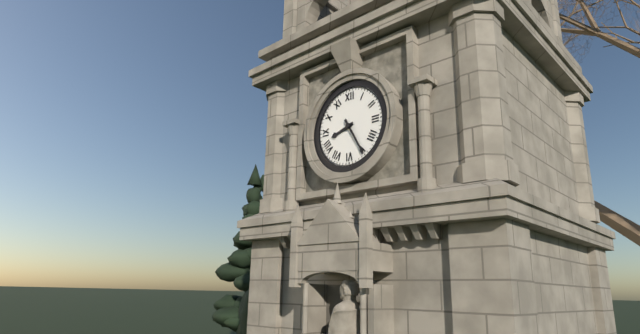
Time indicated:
**8:25**
